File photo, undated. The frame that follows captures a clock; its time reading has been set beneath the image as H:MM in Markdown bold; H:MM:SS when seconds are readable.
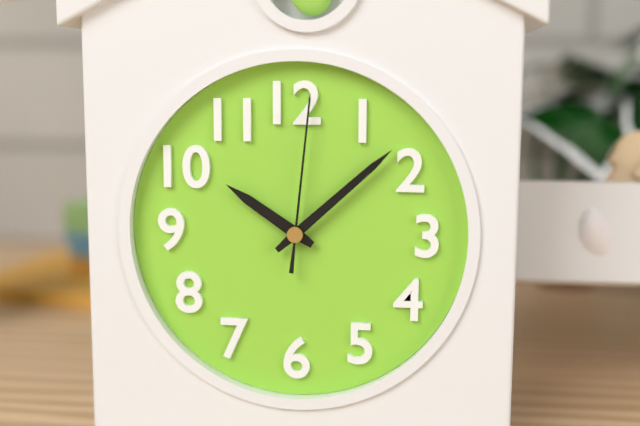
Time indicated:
**10:08:01**
